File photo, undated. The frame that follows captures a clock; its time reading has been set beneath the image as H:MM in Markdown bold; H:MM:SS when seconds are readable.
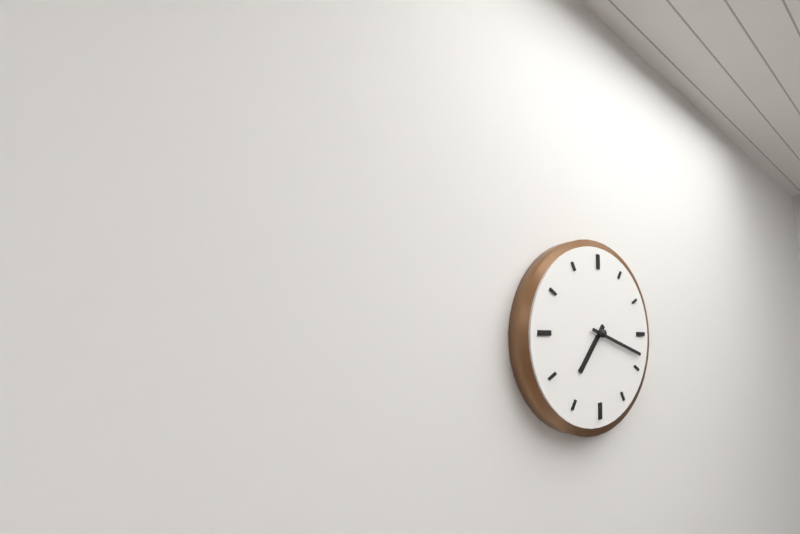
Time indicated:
**7:18**
